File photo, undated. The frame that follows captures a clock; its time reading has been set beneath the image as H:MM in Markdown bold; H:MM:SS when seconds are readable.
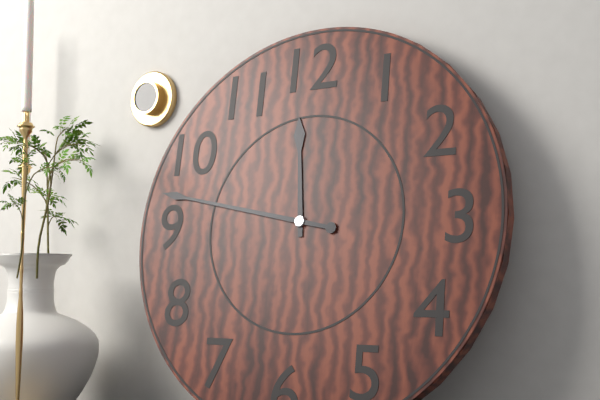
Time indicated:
**11:47**
